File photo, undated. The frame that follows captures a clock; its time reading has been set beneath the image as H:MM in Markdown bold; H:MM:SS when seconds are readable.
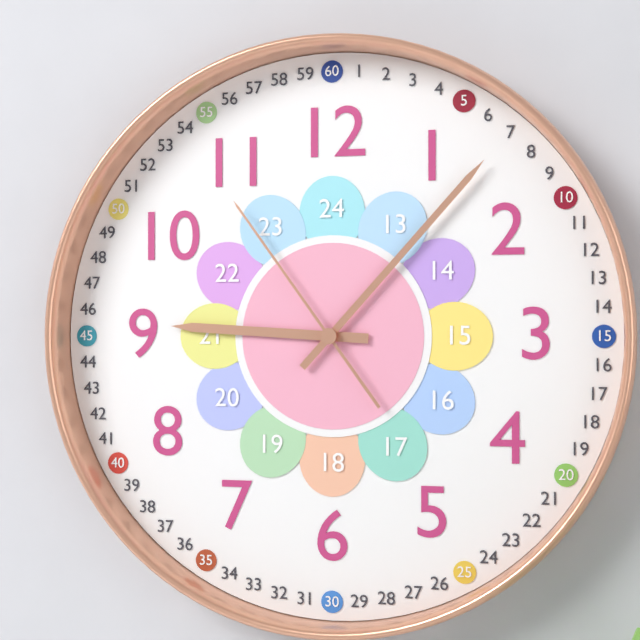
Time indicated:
**9:07:54**
